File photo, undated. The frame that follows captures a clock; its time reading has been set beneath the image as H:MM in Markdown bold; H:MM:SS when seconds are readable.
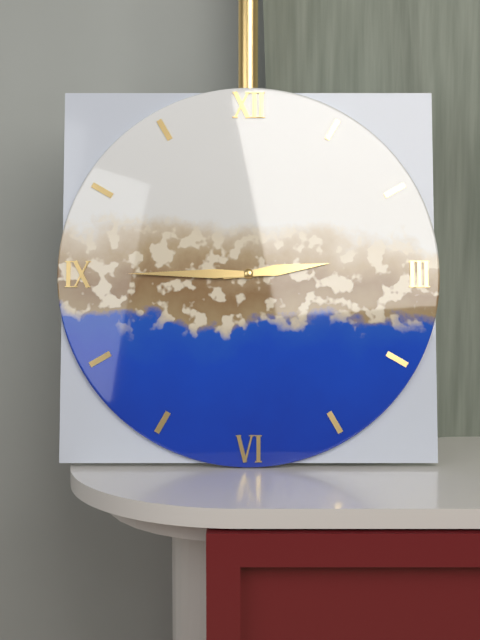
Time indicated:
**2:45**
